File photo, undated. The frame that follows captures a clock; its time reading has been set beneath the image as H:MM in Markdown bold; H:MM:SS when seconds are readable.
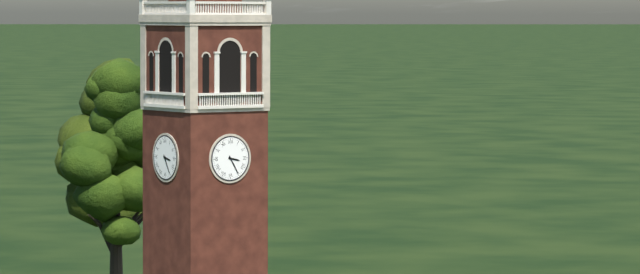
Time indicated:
**3:25**
